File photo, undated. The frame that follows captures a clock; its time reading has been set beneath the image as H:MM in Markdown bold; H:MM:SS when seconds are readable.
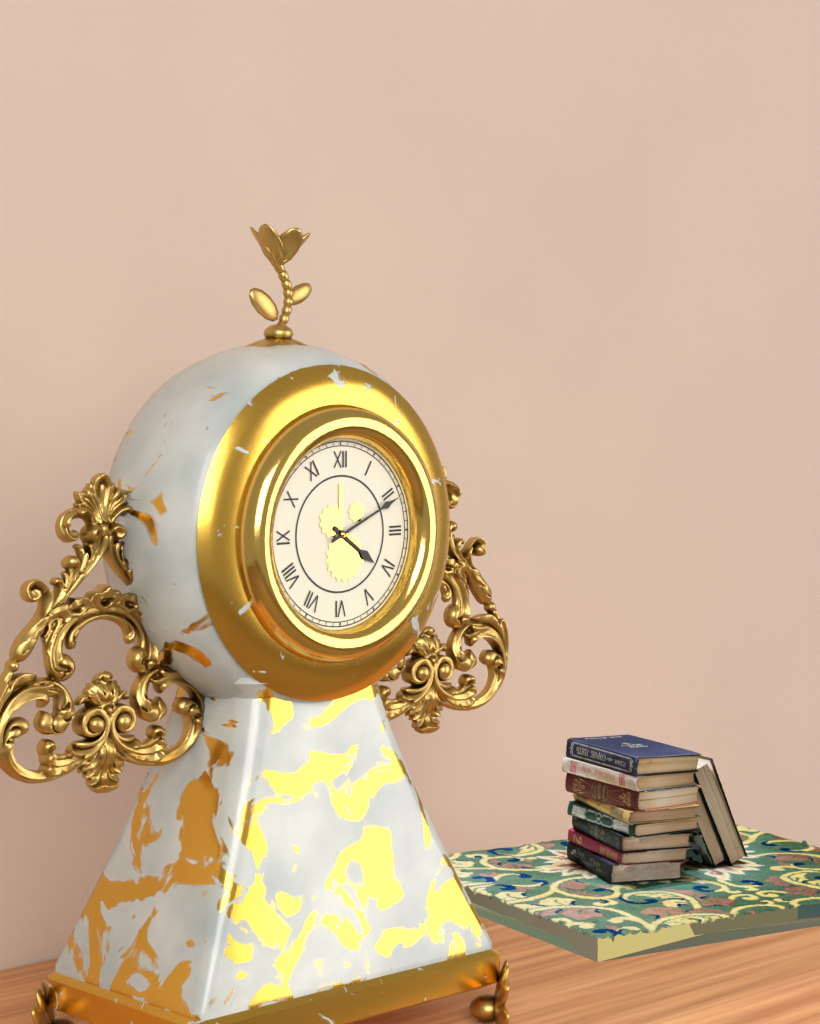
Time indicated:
**4:11**
